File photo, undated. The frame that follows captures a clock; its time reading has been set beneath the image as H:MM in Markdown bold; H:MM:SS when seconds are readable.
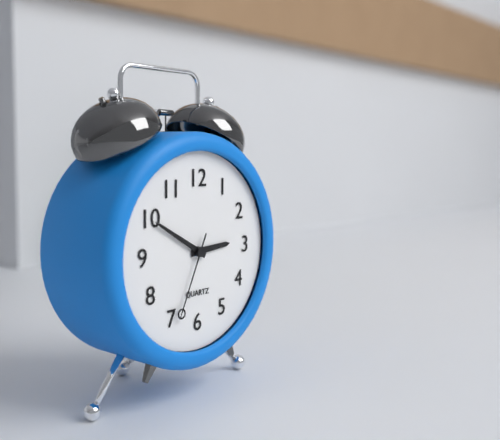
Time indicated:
**2:50:34**
